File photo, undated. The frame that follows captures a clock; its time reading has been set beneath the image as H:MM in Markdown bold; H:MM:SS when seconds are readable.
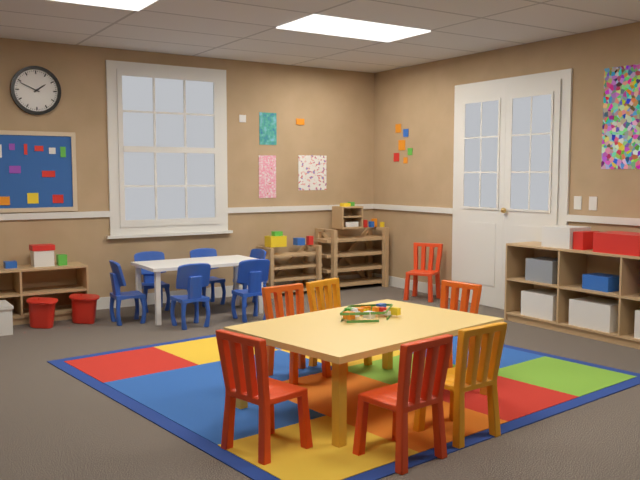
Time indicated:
**1:49**
